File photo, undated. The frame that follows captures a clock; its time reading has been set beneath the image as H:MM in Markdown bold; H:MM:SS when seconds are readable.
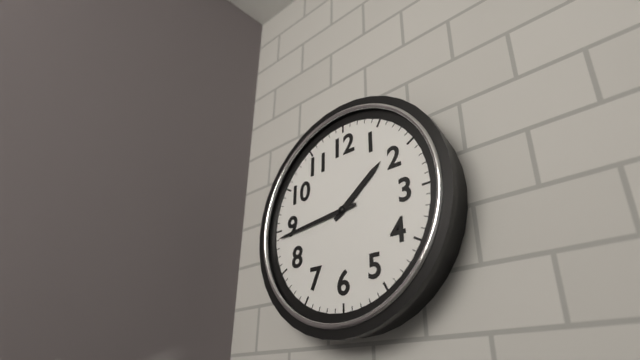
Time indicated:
**1:44**
